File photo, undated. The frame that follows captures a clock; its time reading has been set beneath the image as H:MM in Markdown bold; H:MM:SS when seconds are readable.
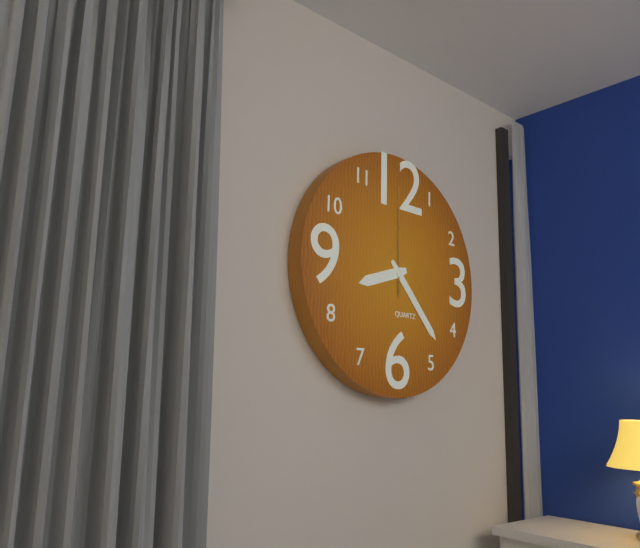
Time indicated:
**8:23:00**
